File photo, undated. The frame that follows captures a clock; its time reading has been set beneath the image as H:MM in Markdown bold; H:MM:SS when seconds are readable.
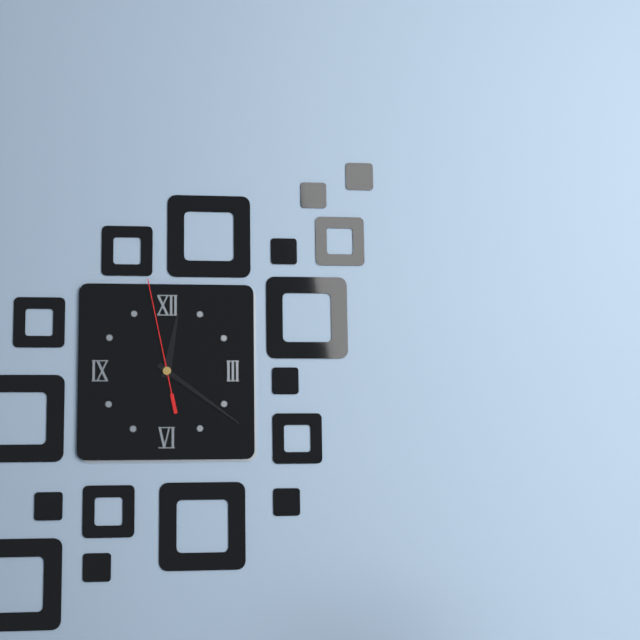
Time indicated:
**12:21:58**
